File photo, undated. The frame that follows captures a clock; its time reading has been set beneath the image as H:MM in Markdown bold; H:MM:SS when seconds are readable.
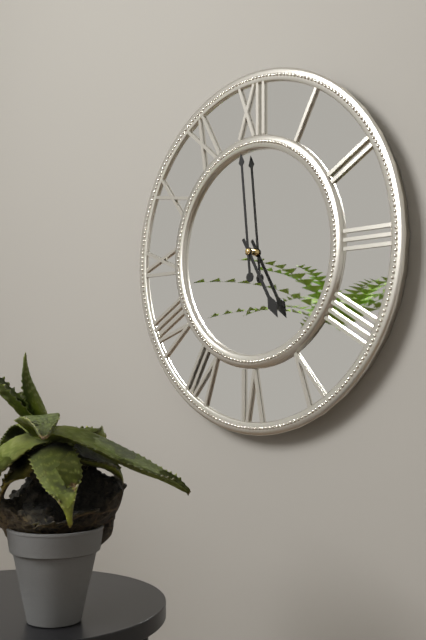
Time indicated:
**4:59**
